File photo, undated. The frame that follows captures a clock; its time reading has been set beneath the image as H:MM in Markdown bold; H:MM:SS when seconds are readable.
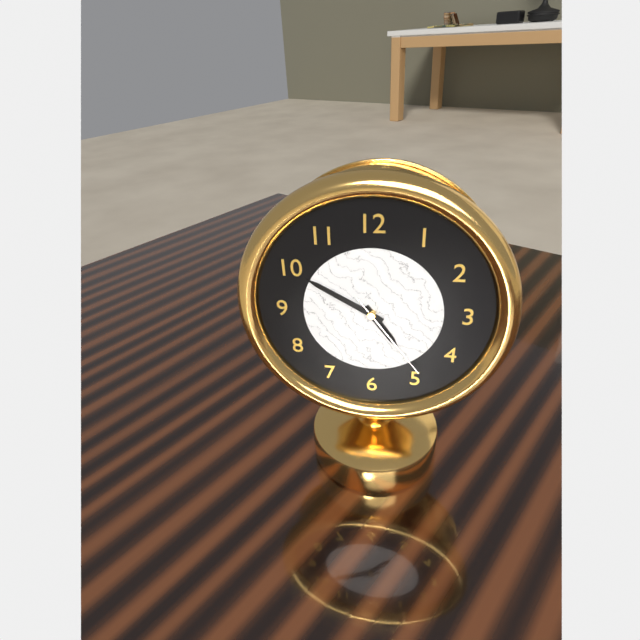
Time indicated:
**4:50:24**
